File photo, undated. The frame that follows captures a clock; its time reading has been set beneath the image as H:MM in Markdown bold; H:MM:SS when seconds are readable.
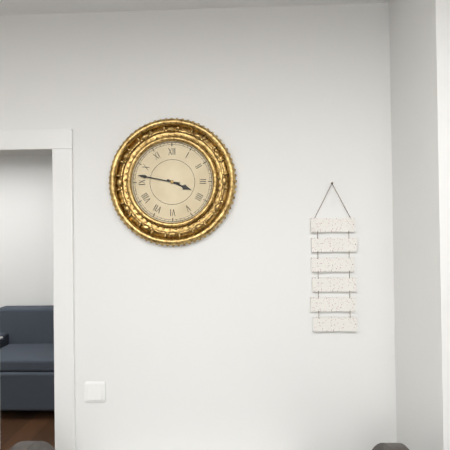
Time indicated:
**3:47**
